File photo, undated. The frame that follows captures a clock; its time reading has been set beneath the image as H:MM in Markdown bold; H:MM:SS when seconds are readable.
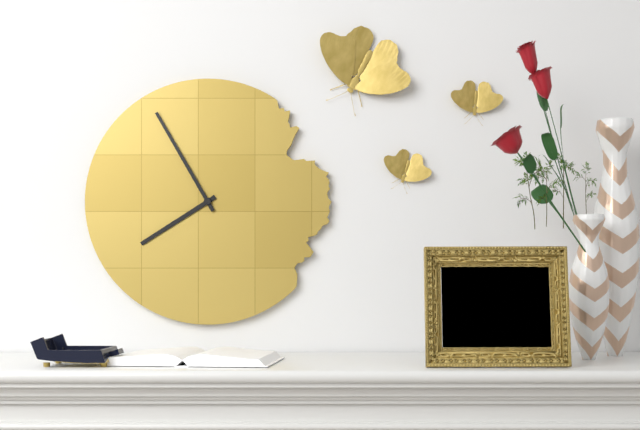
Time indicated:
**7:55**
